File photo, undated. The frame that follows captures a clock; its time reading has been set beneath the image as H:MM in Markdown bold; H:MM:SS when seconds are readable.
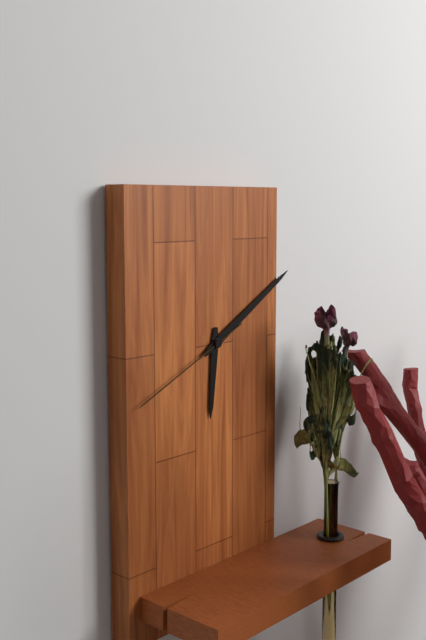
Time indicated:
**6:10:41**
